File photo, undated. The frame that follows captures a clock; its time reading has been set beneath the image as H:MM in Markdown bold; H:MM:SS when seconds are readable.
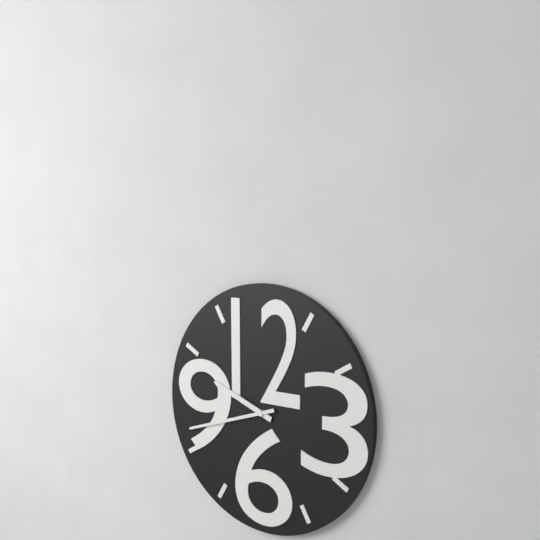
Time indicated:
**9:42**
